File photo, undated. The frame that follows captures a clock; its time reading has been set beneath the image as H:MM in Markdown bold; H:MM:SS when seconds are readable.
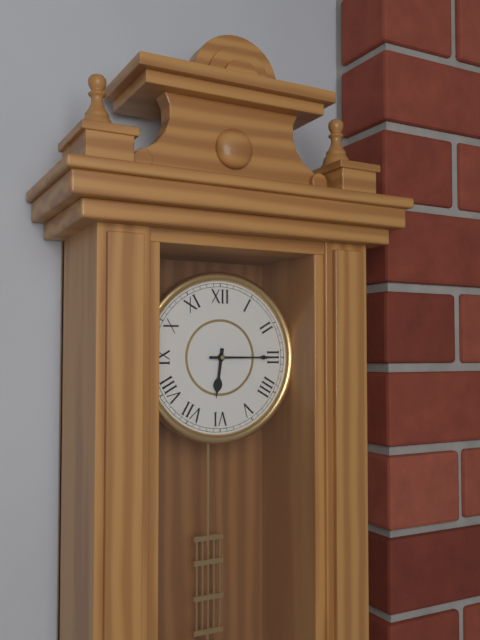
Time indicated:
**6:15**
